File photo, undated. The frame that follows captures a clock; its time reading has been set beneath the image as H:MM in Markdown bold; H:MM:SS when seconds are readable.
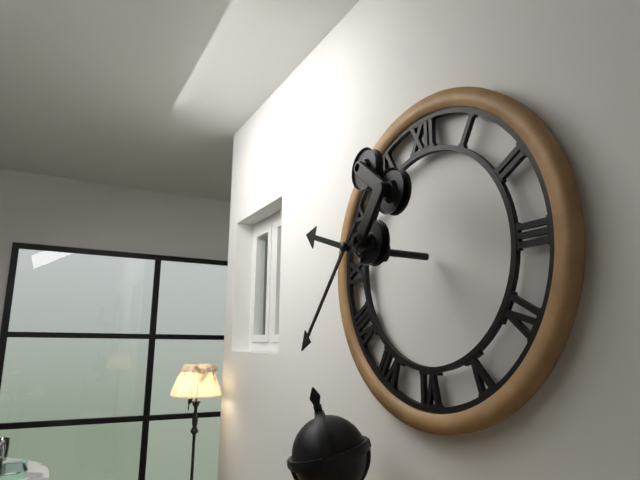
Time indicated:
**9:37**
